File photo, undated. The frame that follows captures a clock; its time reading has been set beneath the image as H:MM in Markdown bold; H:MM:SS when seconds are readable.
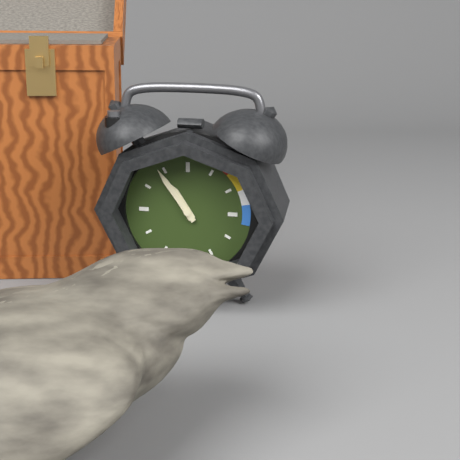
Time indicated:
**10:54**
